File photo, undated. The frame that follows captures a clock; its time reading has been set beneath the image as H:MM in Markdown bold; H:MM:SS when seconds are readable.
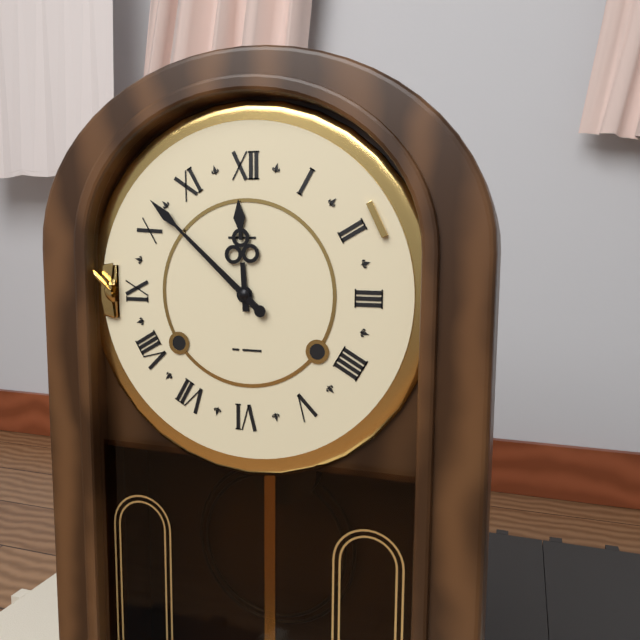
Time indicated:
**11:52**
